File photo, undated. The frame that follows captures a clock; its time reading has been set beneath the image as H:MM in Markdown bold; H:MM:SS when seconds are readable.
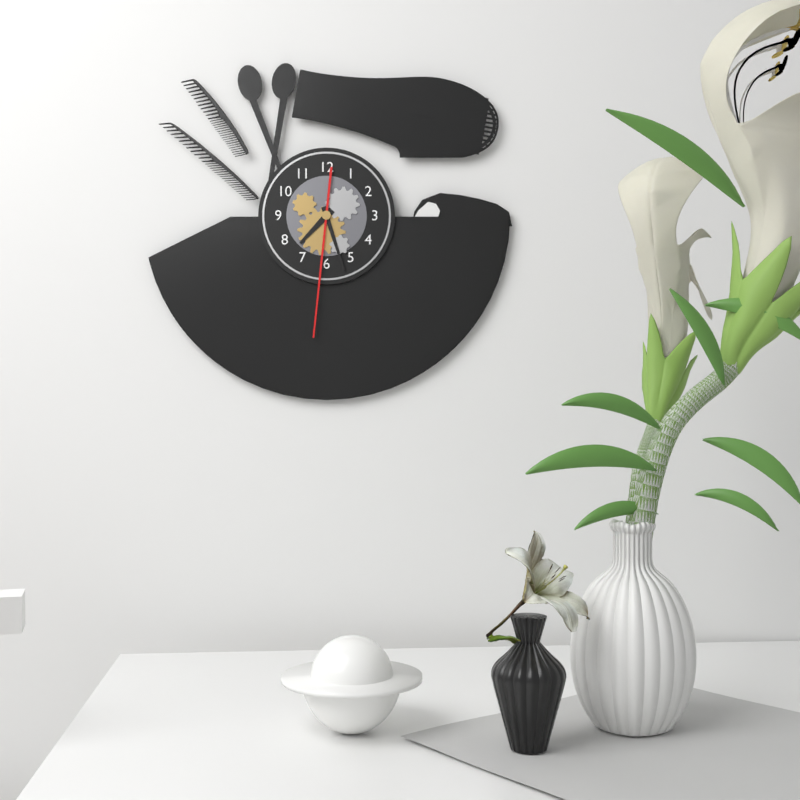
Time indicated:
**7:27:31**
